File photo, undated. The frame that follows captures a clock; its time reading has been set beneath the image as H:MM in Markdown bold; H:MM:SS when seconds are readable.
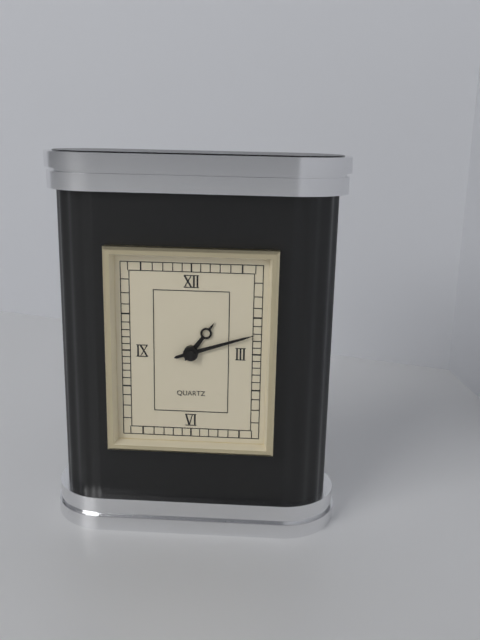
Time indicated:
**1:12**
